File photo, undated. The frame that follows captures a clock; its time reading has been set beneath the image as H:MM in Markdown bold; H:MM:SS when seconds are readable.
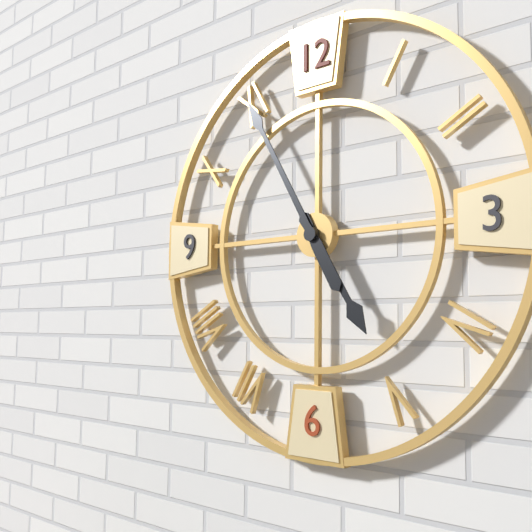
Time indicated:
**4:55**
